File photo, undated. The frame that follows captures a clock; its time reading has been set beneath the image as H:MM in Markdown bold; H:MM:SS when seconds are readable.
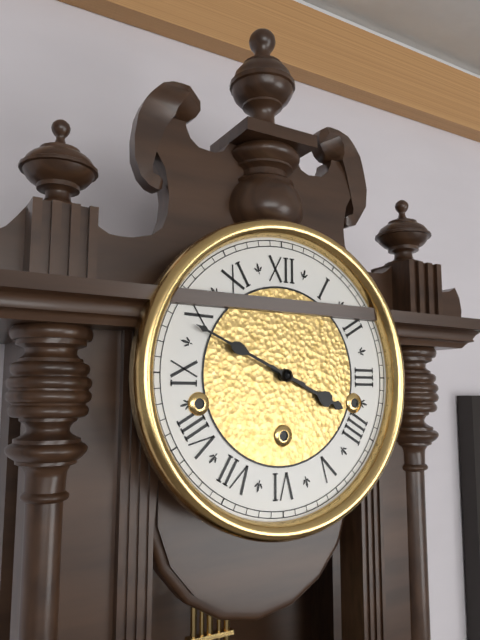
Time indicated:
**3:49**
